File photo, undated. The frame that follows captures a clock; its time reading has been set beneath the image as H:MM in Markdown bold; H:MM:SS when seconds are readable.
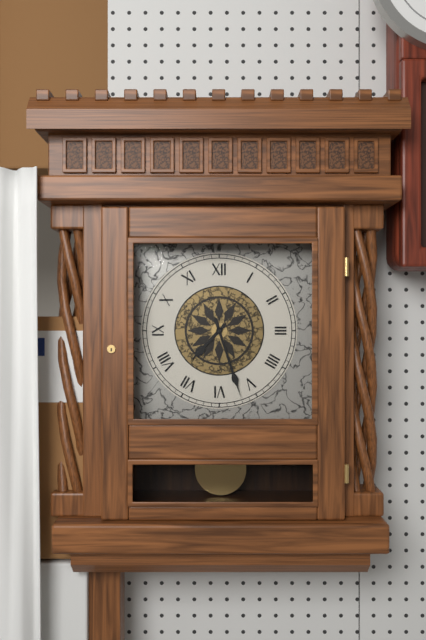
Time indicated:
**7:27**
